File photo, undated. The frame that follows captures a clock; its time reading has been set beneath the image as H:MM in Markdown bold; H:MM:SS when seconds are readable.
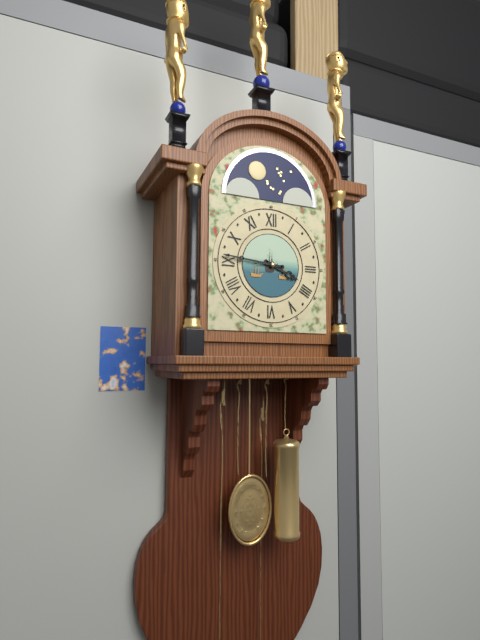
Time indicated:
**3:46**
